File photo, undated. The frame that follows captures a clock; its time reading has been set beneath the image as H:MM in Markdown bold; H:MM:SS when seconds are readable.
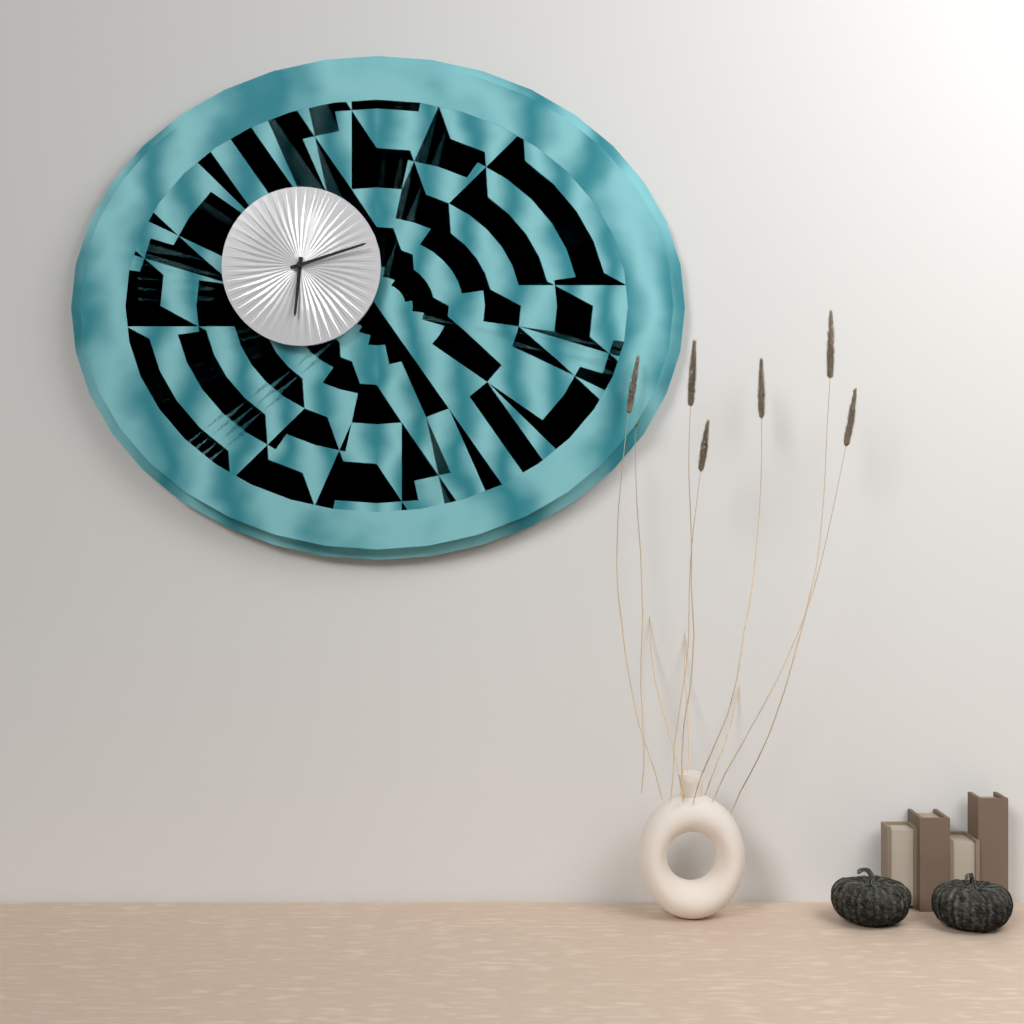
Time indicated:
**6:12**
